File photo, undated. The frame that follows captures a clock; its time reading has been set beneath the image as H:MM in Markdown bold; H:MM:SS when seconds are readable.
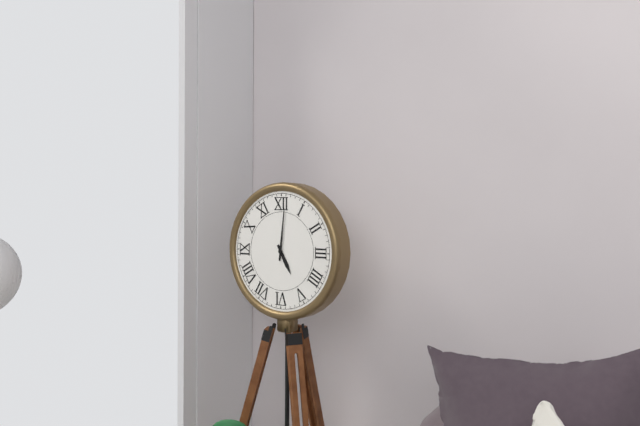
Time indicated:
**5:01**
